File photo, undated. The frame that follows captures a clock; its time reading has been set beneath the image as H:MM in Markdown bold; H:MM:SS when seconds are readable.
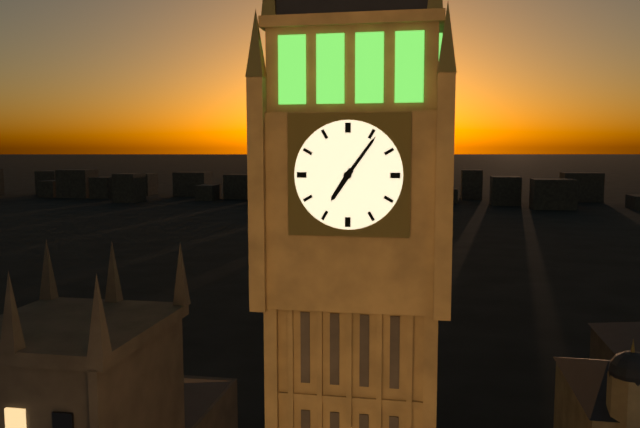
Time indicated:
**7:06**
